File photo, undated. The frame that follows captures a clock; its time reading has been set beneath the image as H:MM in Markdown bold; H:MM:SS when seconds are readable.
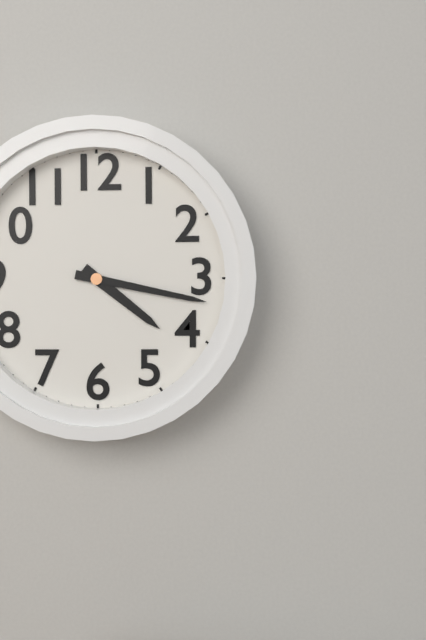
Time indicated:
**4:17**
